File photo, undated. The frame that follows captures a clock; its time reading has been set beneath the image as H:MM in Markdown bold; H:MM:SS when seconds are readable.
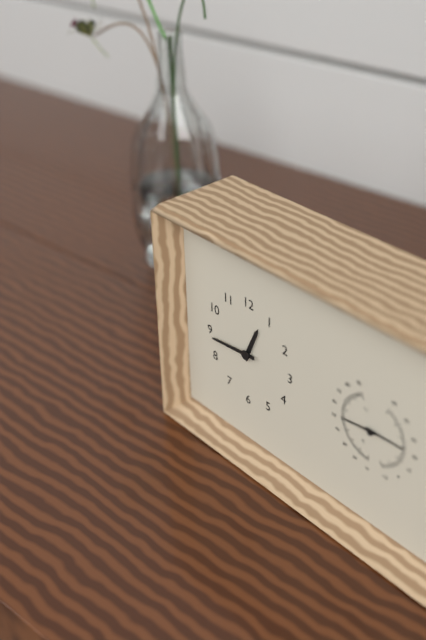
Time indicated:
**12:44**
